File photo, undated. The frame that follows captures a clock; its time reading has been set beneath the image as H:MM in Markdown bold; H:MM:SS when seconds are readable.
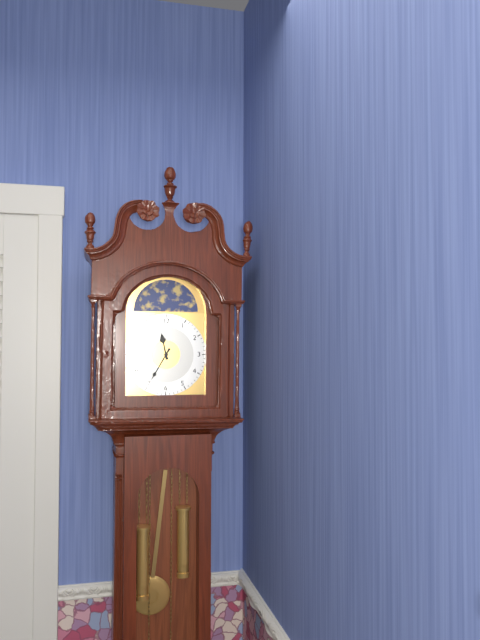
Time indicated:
**11:35**
